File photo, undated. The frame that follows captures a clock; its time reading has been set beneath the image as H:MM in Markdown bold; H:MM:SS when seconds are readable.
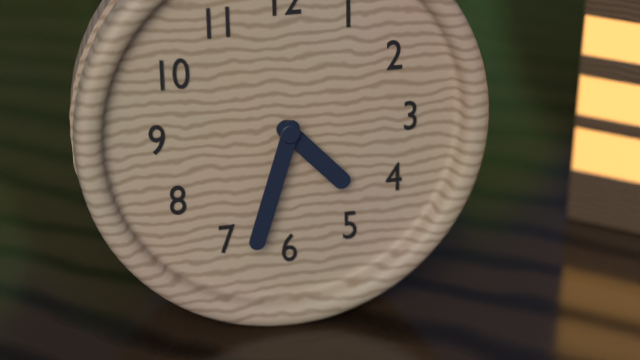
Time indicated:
**4:33**
